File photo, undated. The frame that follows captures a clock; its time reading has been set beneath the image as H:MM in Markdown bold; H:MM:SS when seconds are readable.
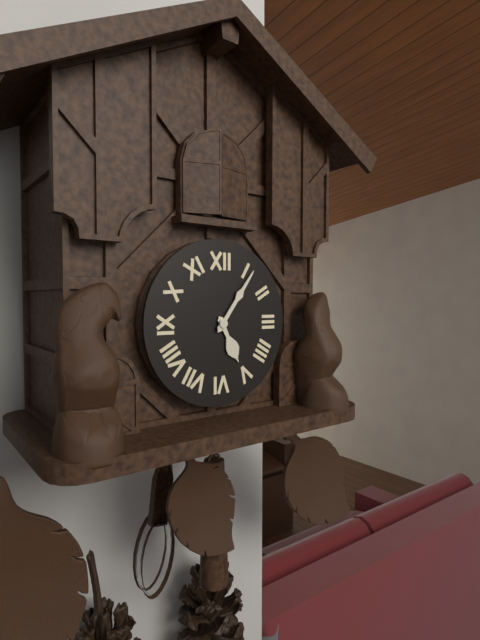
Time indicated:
**5:06**
